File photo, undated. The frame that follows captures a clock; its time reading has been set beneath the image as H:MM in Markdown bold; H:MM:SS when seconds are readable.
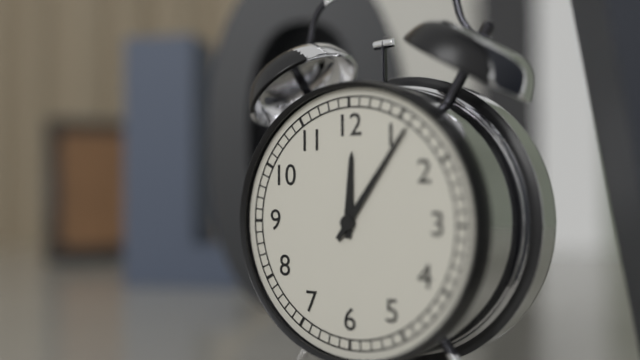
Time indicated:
**12:06**
